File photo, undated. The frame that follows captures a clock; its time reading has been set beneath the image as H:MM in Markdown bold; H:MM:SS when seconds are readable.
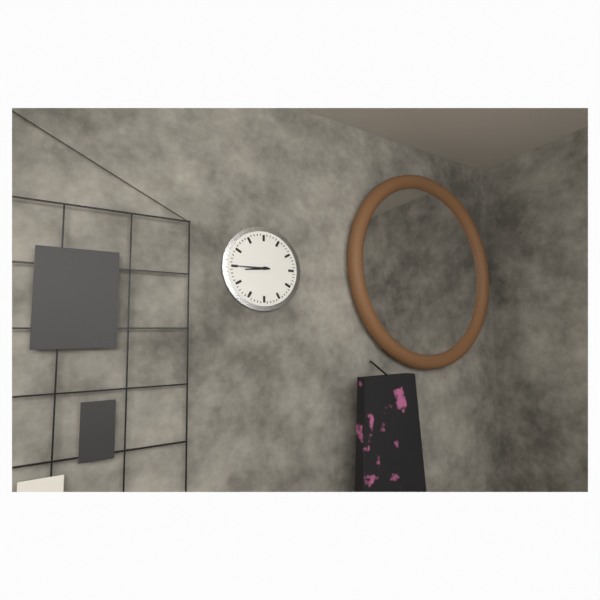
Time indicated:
**8:45**
